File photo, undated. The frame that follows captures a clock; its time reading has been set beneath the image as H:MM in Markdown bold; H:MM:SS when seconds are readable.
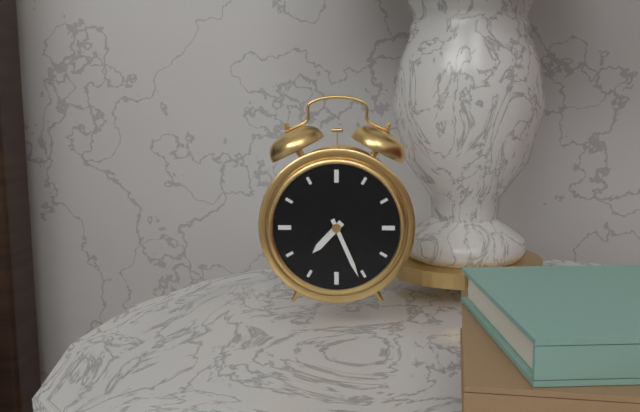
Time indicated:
**7:26**
